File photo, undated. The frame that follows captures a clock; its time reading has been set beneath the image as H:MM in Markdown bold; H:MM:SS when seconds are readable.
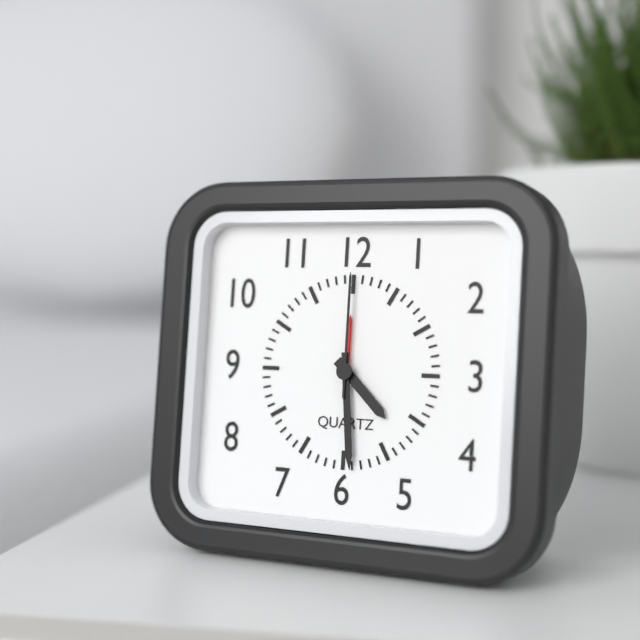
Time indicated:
**4:29:00**
